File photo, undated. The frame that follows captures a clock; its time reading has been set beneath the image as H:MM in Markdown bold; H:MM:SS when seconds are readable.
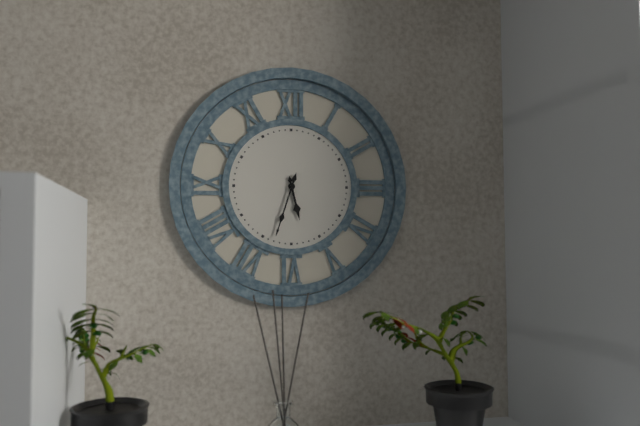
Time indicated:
**5:33**
